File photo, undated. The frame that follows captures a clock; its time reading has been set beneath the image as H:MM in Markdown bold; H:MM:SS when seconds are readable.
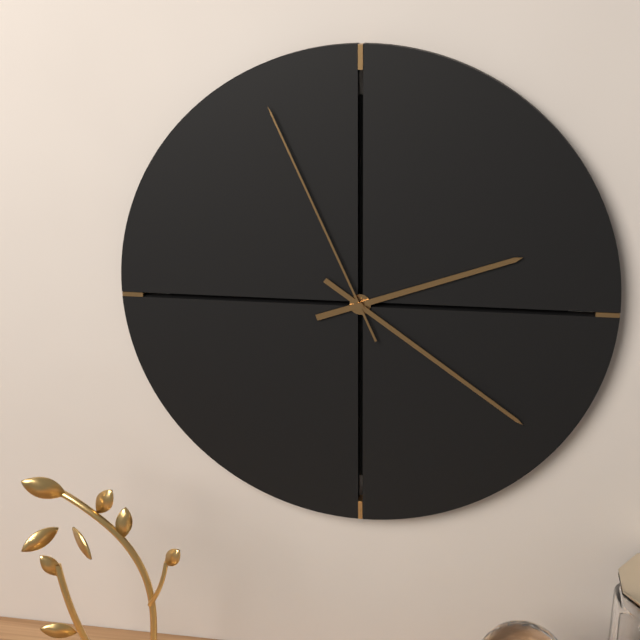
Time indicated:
**2:21:56**
